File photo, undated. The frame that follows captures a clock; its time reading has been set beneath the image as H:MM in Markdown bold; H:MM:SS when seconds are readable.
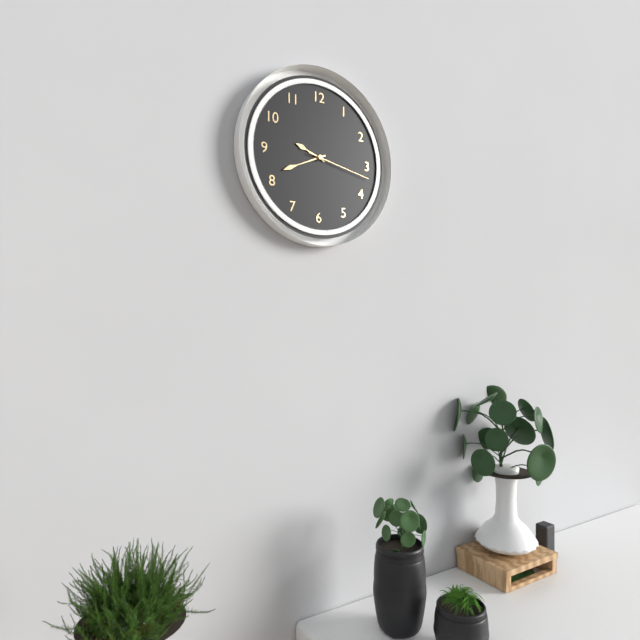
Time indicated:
**9:41:17**
